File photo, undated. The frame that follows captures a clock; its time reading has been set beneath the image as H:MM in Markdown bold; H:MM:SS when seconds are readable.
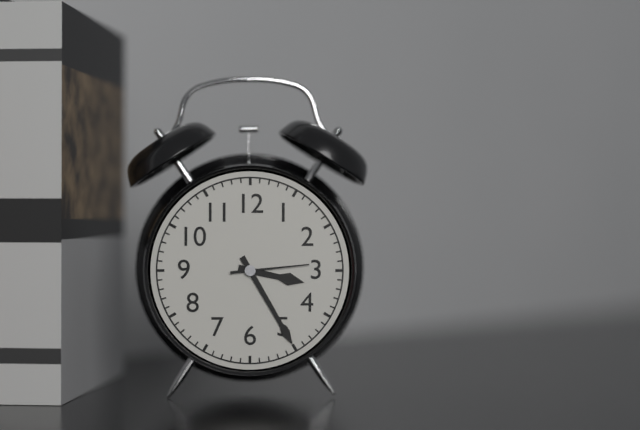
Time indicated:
**3:25:14**
